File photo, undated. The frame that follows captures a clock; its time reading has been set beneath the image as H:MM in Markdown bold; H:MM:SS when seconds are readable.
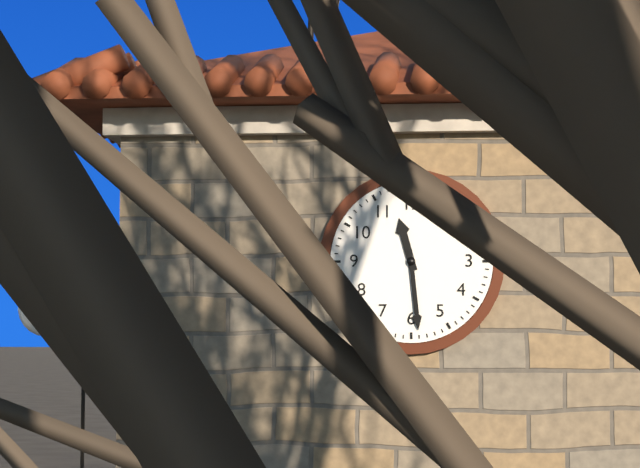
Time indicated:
**11:29**
